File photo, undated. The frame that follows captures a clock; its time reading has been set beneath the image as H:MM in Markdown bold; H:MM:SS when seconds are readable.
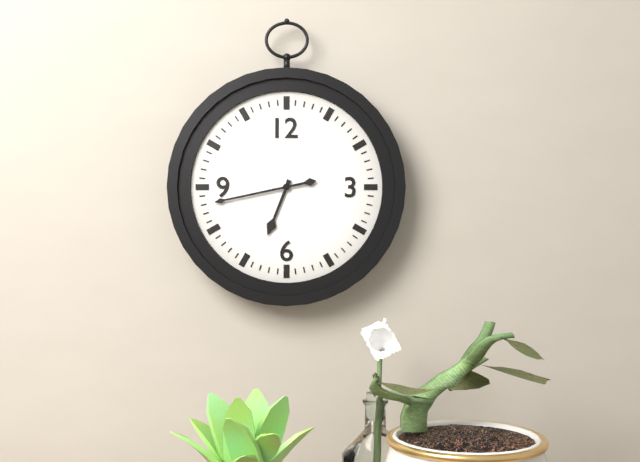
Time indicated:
**6:43**
